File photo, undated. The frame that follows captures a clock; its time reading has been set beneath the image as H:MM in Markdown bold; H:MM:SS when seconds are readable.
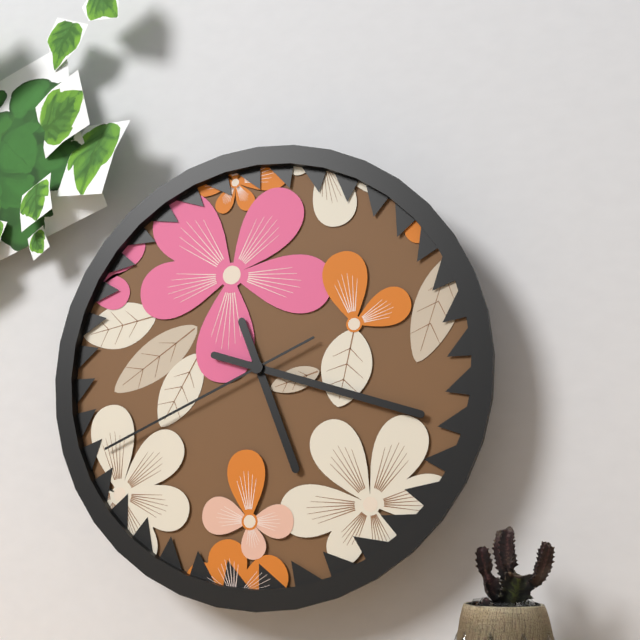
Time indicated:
**5:18:41**
